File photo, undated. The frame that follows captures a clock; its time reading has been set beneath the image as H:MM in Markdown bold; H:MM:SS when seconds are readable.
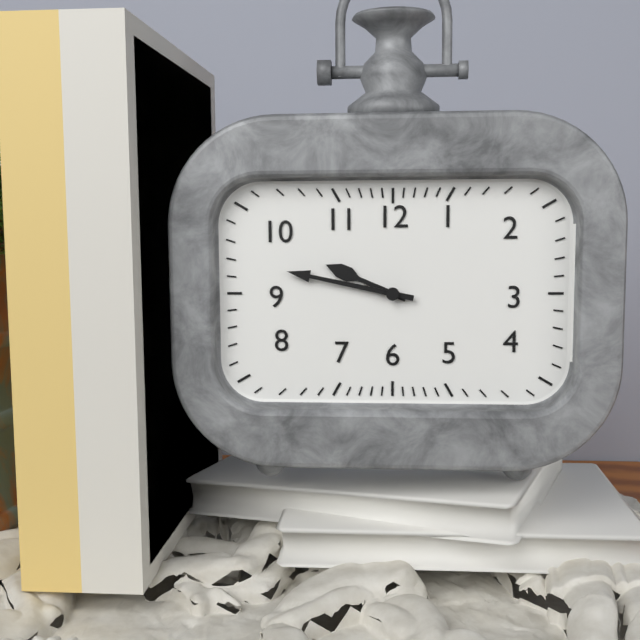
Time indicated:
**9:47**
